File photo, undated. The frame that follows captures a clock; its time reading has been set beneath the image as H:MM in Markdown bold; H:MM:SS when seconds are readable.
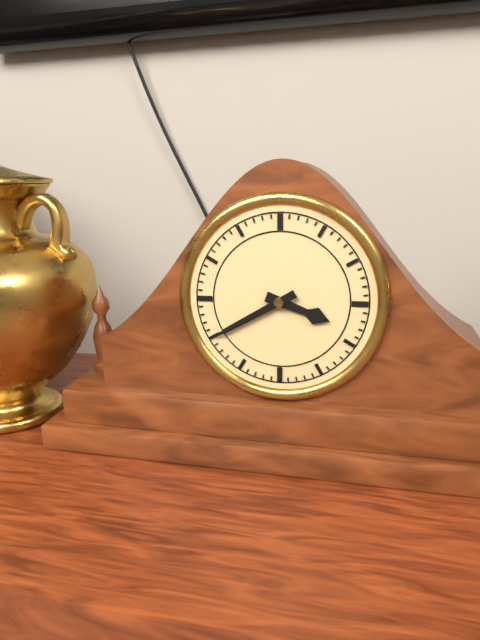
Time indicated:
**3:40**
